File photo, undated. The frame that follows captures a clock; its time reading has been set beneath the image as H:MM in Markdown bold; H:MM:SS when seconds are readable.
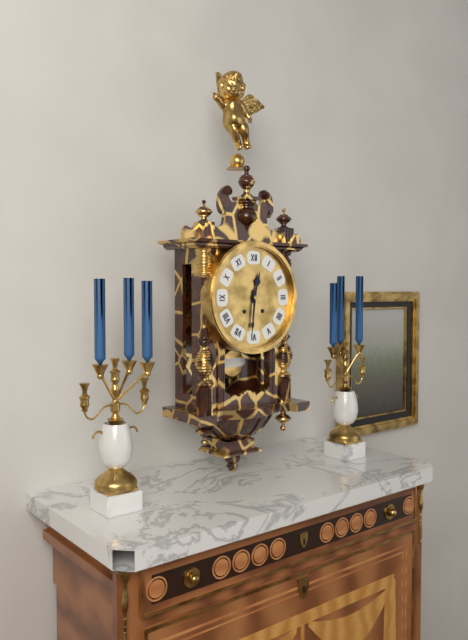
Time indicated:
**12:31**
